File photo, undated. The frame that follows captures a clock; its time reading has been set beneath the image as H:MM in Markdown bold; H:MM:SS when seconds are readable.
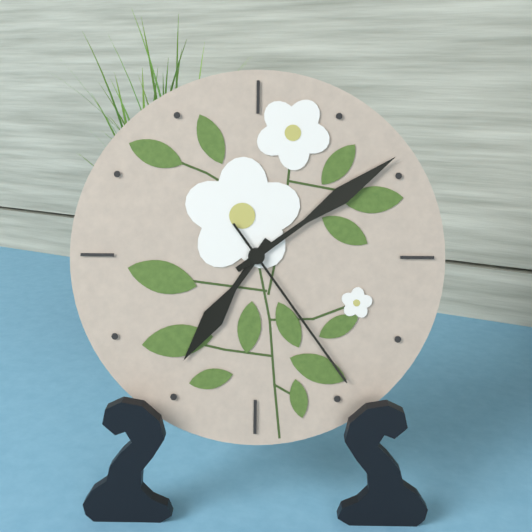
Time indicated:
**7:09:24**
